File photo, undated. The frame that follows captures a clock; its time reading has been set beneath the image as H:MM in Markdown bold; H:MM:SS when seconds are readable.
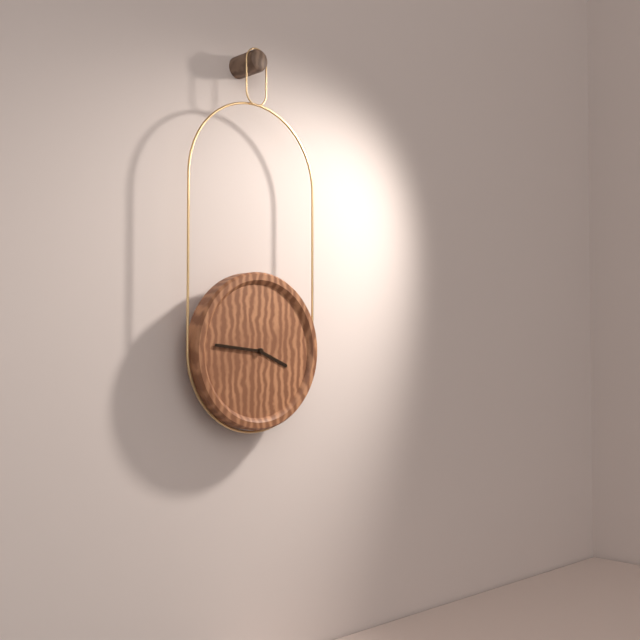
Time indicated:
**3:46**
